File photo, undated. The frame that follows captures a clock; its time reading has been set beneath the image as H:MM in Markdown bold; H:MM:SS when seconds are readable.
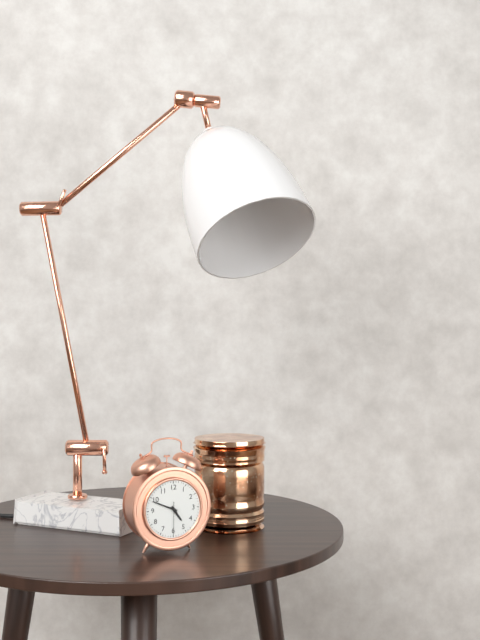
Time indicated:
**4:49**
